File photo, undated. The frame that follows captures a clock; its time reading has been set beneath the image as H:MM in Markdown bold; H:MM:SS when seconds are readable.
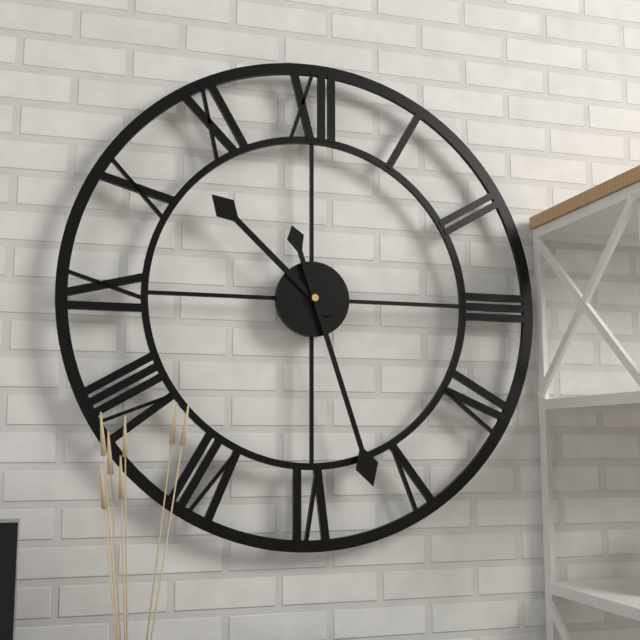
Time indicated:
**10:27**
